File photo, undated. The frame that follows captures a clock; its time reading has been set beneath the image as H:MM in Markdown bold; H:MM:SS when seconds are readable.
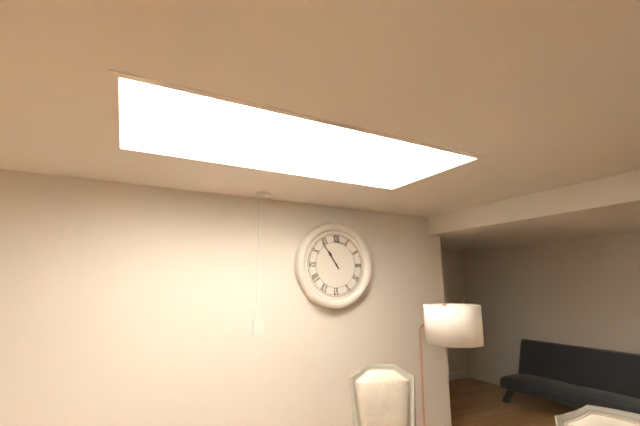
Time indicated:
**10:54**
